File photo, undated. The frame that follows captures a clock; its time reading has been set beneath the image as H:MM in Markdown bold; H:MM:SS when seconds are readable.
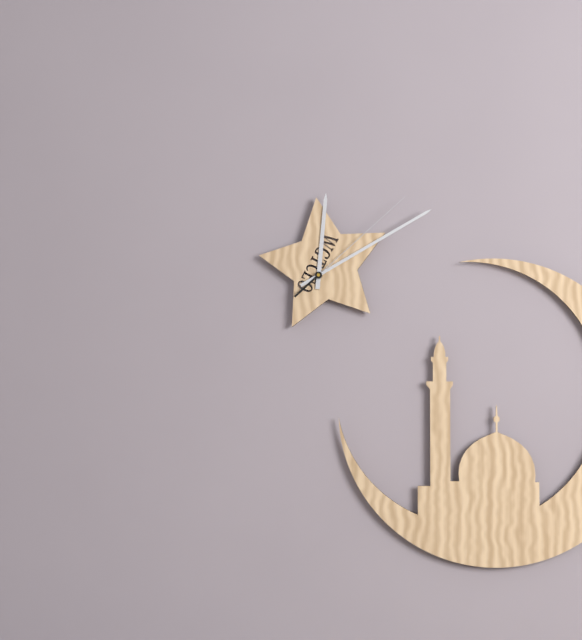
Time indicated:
**12:10:08**
